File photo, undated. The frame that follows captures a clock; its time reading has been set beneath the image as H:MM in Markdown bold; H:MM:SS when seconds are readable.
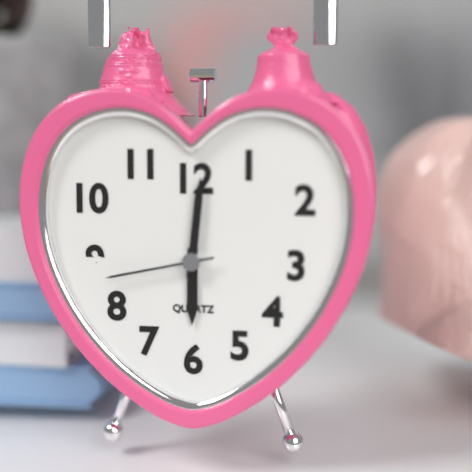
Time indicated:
**6:01:43**
